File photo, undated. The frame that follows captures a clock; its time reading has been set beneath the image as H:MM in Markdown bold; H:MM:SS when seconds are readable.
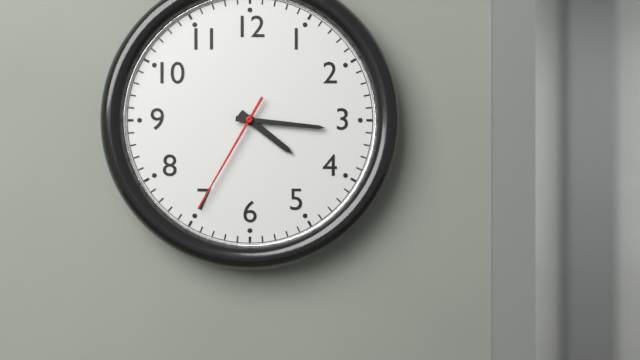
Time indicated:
**4:16:35**
